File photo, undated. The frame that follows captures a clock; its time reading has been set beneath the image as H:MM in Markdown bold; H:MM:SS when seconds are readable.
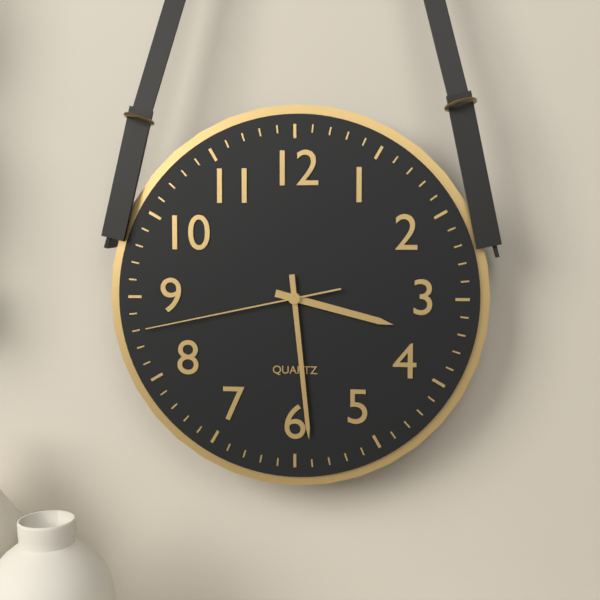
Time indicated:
**3:29:43**
